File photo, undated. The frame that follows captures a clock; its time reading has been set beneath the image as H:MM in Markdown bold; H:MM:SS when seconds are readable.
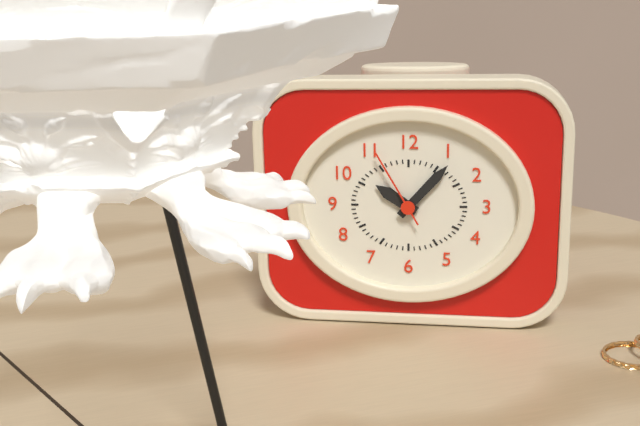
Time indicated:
**10:07:55**
